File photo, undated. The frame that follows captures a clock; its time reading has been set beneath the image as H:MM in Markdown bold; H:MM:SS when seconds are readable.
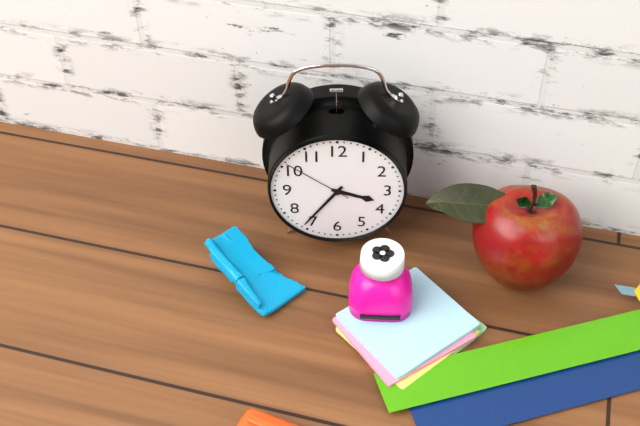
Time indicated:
**3:36:51**
